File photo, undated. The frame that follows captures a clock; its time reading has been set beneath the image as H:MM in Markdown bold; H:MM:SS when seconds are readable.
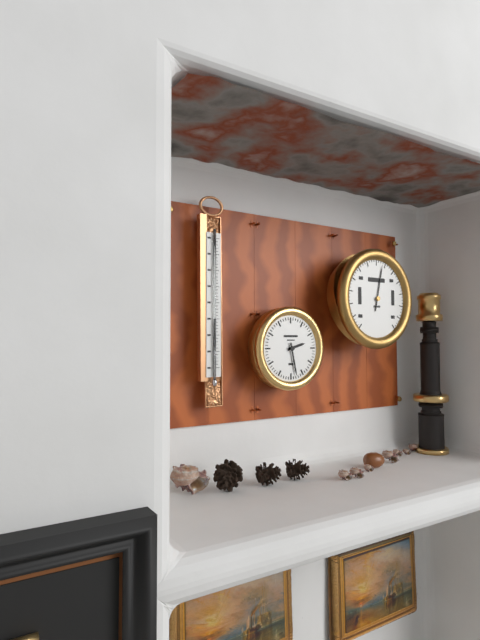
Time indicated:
**2:28**
